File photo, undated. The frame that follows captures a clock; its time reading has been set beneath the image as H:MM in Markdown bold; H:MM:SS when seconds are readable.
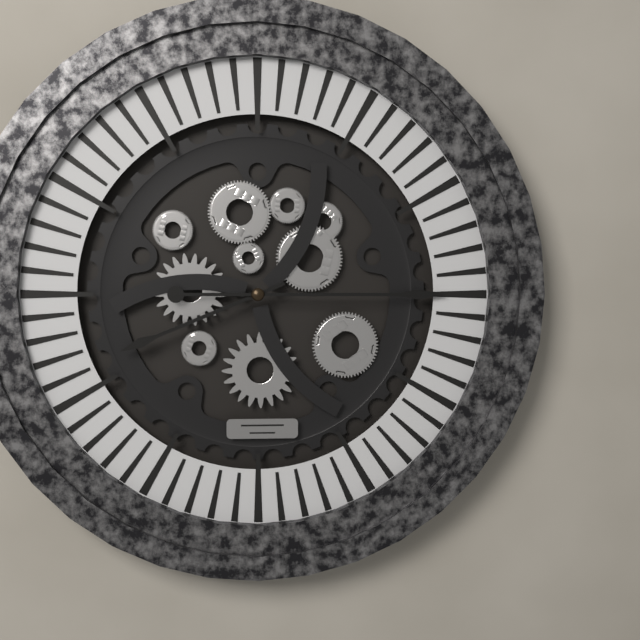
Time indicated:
**8:15**
